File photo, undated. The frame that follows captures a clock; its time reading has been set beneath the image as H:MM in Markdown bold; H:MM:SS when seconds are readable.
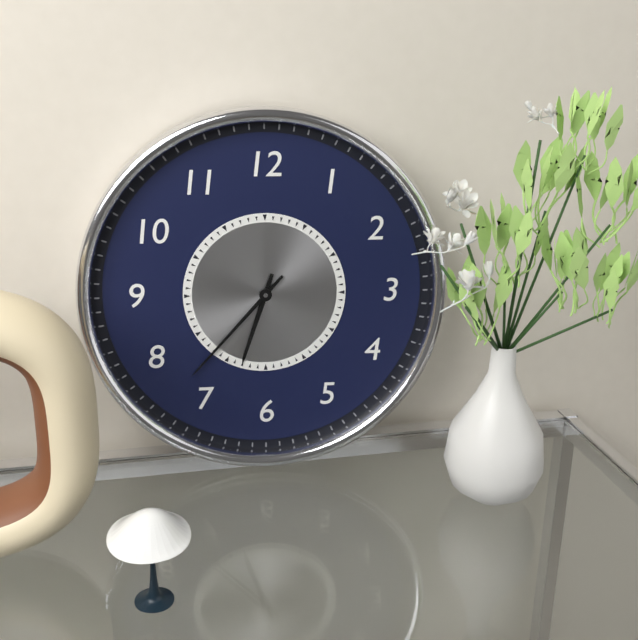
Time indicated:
**6:37**
